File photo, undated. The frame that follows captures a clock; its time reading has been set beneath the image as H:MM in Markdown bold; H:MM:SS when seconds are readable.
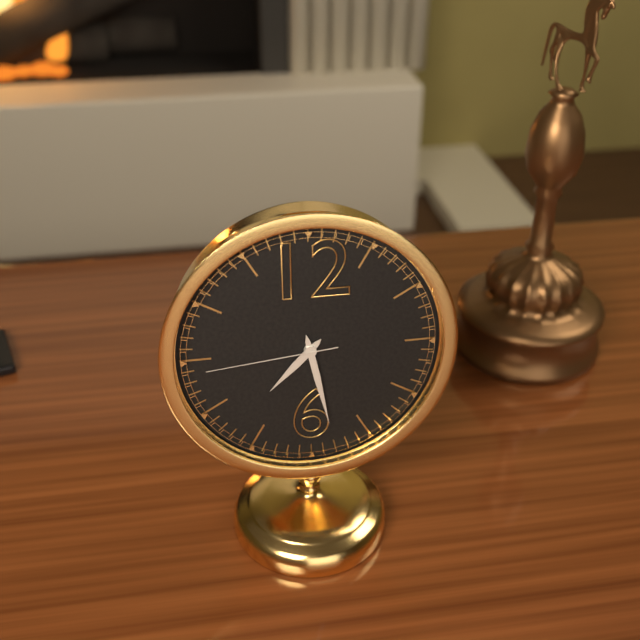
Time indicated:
**7:28:44**
